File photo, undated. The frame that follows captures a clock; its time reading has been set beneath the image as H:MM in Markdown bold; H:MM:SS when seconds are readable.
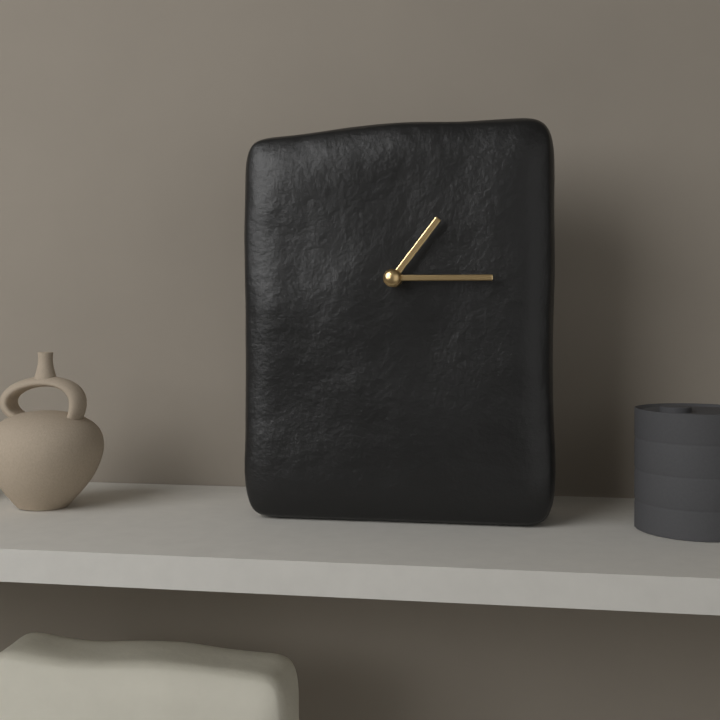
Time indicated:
**1:15**
